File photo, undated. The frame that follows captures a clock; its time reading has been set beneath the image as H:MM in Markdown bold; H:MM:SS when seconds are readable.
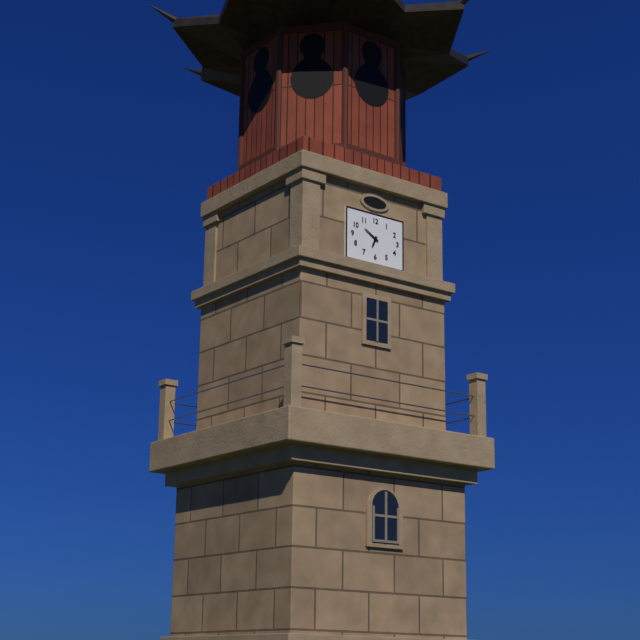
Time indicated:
**6:50**
